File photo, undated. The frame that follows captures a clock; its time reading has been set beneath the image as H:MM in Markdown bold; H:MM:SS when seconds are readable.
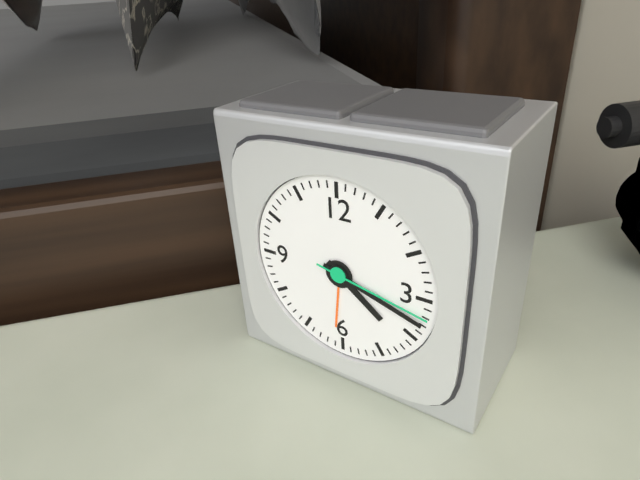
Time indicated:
**4:18:17**
